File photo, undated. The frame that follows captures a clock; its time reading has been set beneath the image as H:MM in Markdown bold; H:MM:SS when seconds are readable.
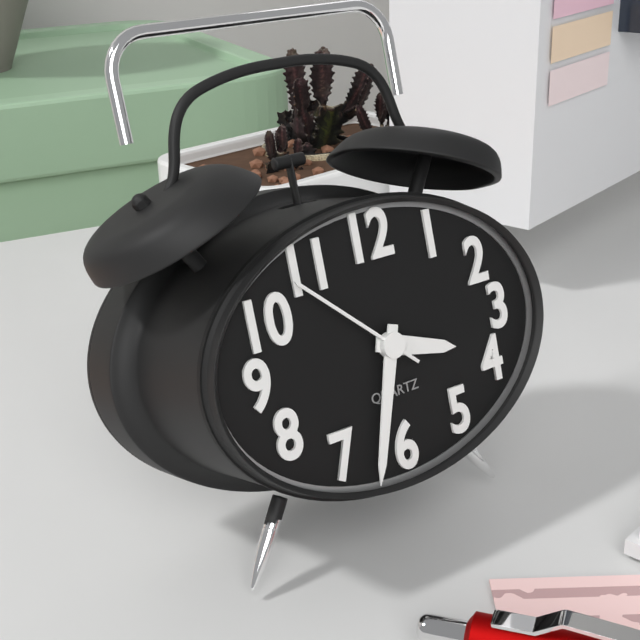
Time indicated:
**3:33:52**
